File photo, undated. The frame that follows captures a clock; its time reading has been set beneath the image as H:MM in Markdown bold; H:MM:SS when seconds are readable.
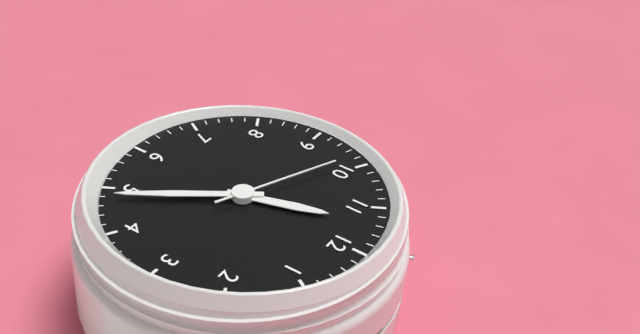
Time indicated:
**11:24:49**
